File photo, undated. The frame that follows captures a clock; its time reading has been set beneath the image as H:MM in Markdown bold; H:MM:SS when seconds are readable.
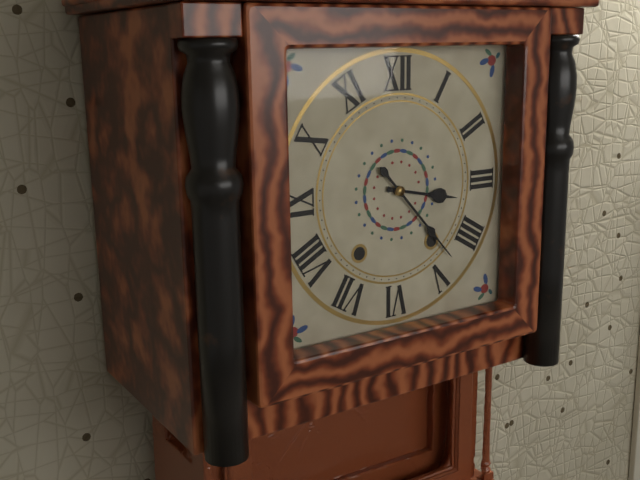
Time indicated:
**3:23**
